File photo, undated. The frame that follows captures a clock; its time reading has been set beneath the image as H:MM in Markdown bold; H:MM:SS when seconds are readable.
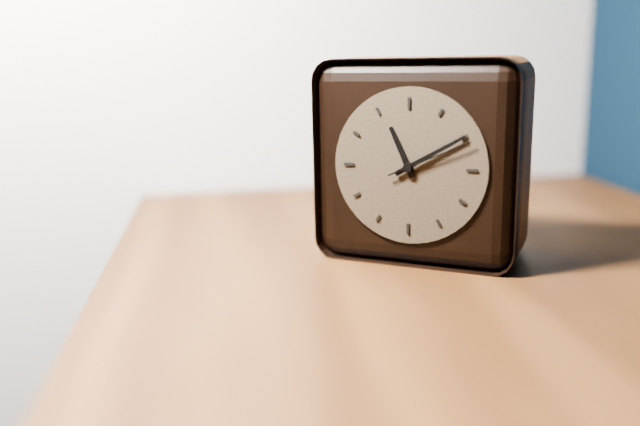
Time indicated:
**11:10:11**
